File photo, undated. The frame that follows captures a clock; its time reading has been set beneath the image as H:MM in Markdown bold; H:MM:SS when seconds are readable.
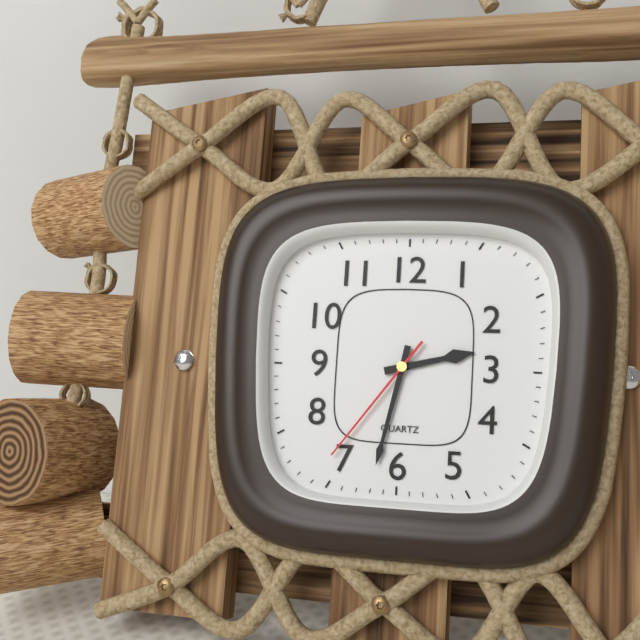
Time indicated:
**2:32:36**
